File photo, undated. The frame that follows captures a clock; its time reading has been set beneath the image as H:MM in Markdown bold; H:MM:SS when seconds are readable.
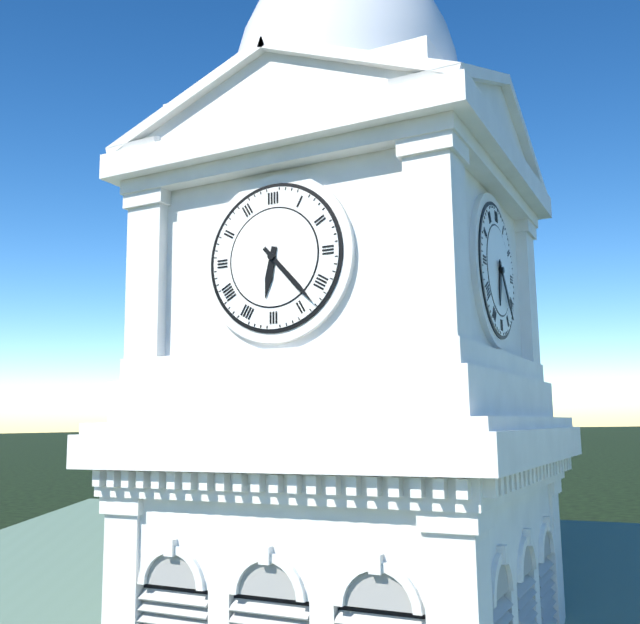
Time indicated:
**6:23**
